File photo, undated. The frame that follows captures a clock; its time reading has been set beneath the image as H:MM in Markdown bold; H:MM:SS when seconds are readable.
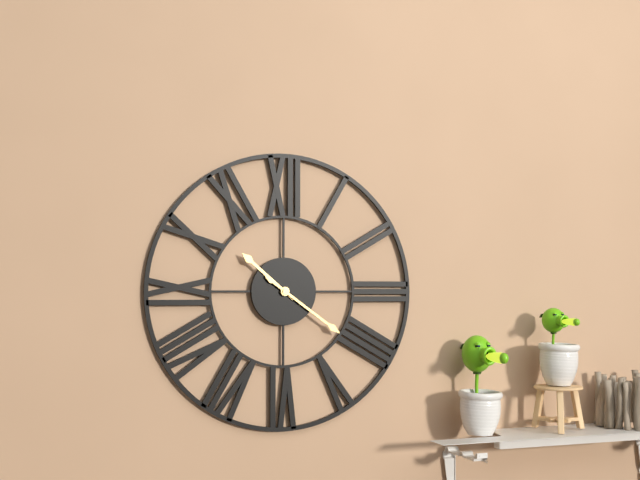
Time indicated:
**10:21**
